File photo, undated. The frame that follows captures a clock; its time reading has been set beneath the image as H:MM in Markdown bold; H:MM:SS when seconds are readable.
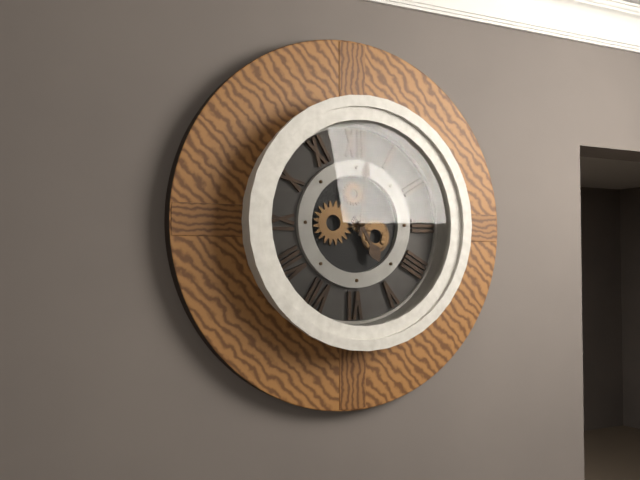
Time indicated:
**5:01**
